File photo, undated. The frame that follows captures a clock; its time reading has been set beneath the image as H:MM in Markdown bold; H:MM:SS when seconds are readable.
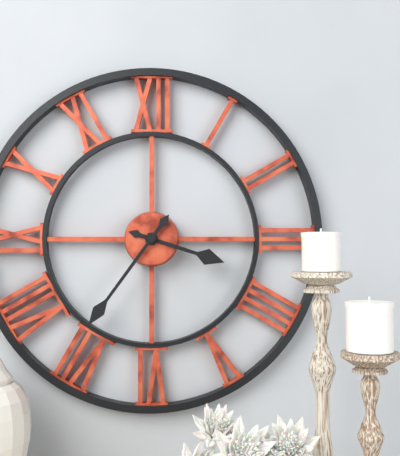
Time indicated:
**3:36**
